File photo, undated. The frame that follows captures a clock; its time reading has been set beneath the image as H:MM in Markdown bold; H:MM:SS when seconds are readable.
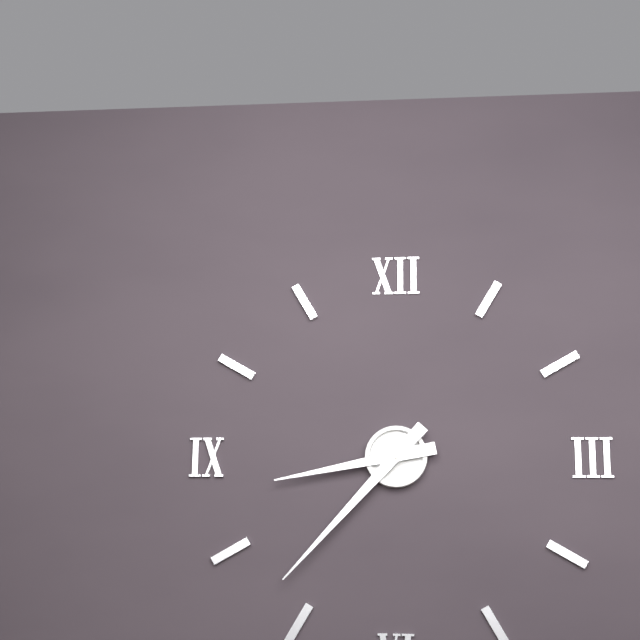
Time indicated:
**8:37**
